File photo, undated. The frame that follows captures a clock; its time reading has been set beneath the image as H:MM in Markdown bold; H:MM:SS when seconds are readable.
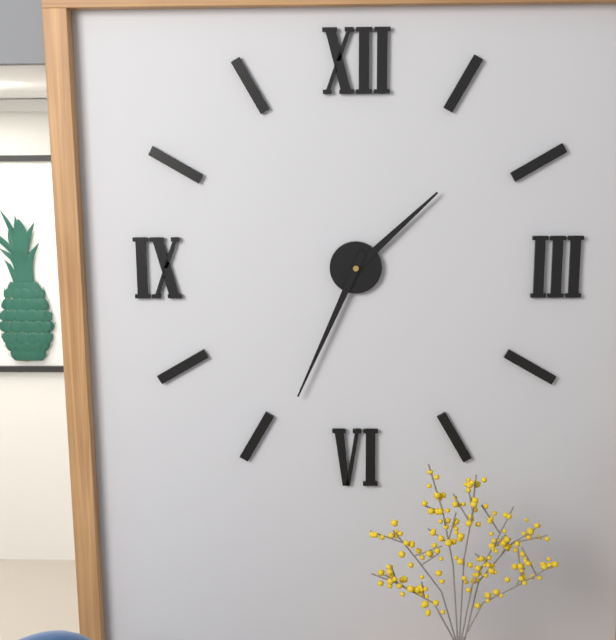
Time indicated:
**1:34**
